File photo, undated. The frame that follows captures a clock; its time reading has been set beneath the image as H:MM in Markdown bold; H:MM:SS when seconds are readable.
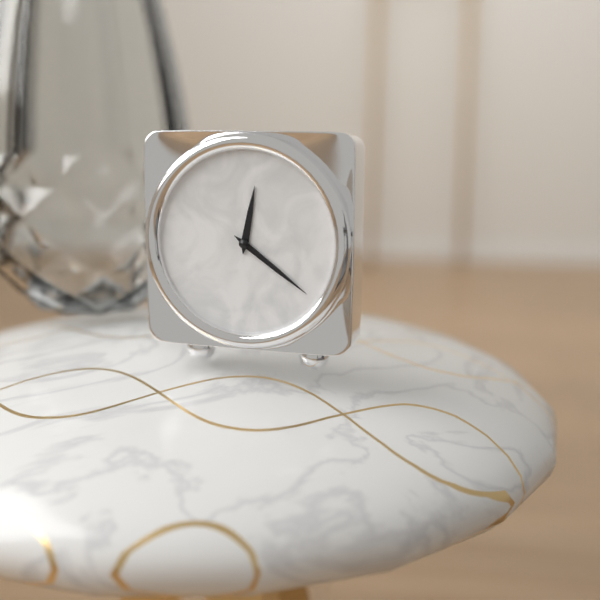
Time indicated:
**12:21**
